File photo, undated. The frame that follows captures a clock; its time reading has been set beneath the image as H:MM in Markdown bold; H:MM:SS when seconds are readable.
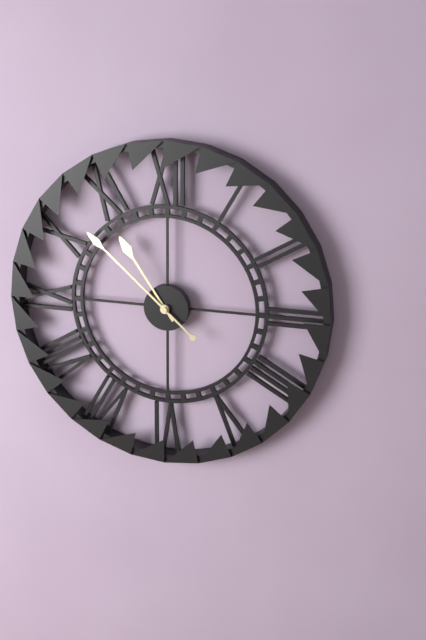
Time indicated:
**10:52**
